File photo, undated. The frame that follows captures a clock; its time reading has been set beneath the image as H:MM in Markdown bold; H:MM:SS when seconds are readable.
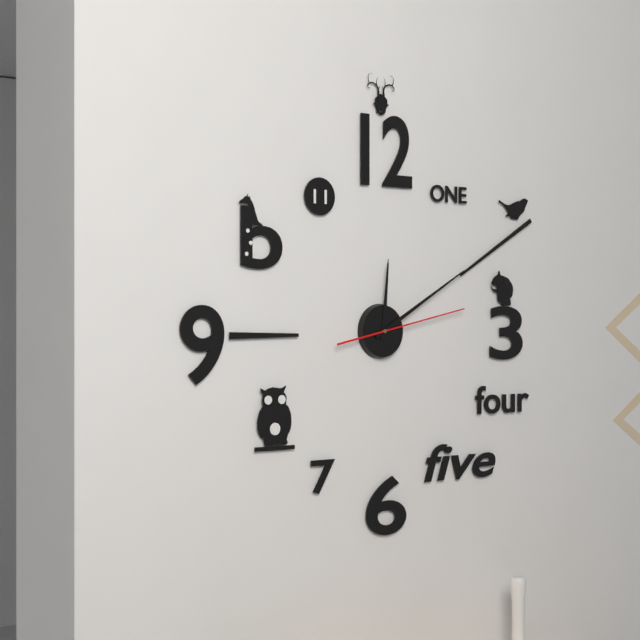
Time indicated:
**12:10:13**
